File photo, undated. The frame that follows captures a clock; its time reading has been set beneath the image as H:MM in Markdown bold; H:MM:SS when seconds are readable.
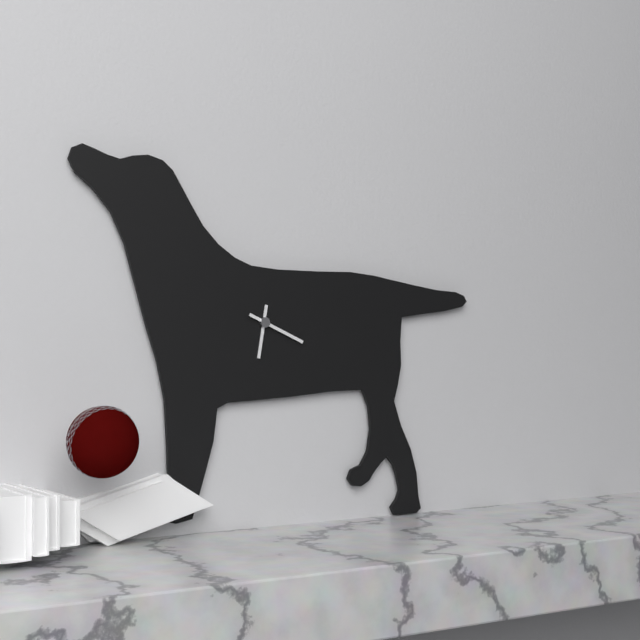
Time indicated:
**6:19**
